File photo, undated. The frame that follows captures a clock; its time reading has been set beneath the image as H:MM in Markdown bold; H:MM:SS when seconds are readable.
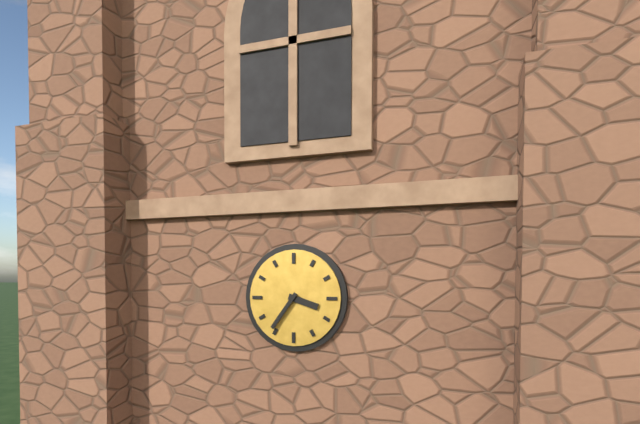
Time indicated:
**3:36**
